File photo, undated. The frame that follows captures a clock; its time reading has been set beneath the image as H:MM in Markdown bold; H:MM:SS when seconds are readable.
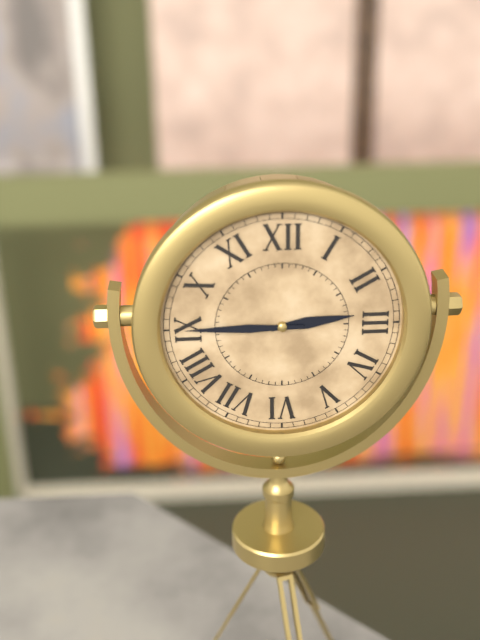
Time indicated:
**2:45**
